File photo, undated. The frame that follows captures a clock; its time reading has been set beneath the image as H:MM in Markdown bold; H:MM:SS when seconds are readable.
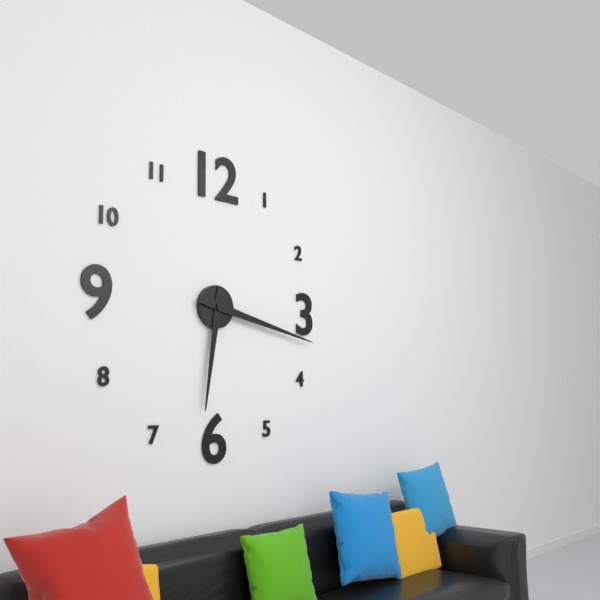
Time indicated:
**6:17**
